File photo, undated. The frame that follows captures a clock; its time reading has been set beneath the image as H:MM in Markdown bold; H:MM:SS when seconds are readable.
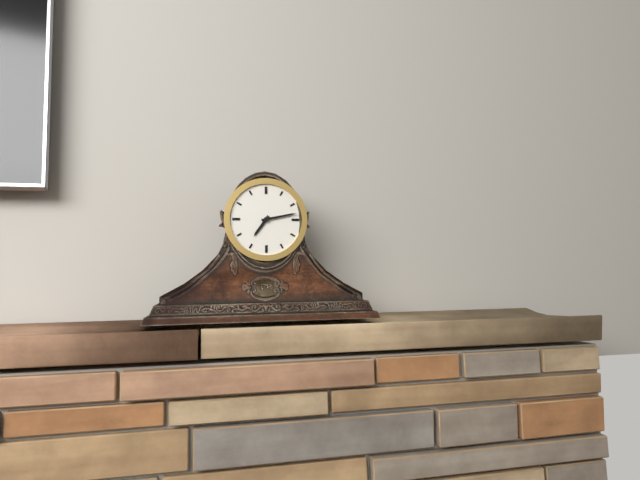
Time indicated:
**7:13**
